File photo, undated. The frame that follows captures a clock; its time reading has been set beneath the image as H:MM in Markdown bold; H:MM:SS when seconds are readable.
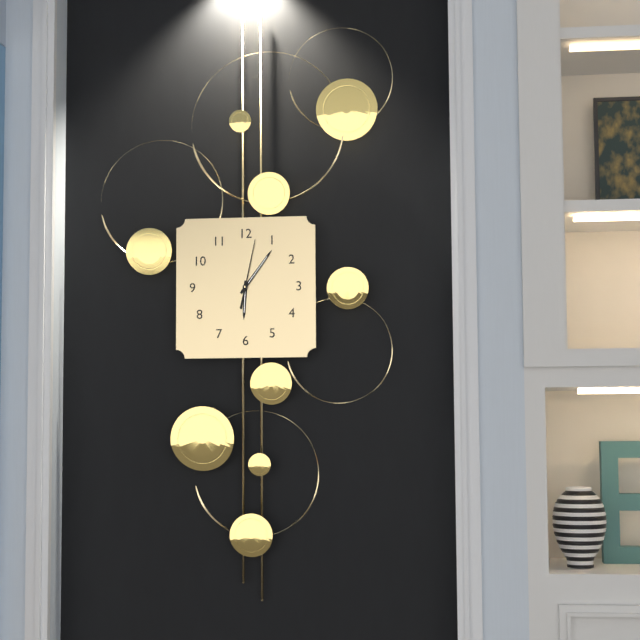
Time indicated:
**6:06:02**
